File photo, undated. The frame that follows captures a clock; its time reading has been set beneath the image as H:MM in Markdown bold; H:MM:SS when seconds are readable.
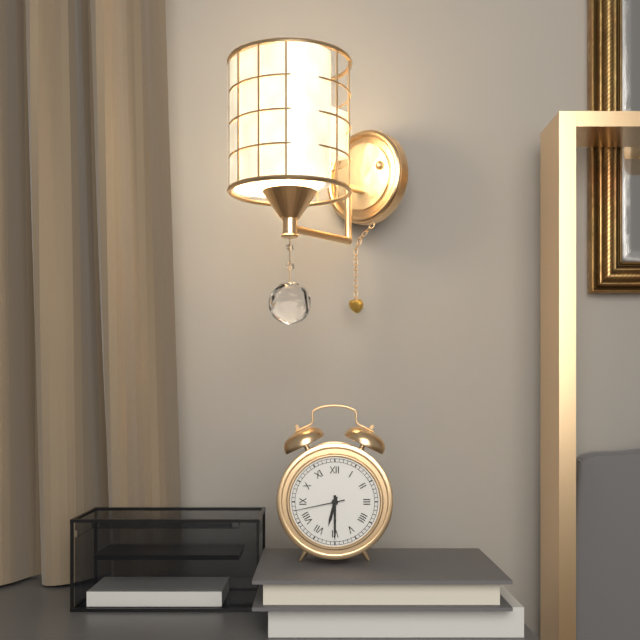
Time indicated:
**6:30:43**
